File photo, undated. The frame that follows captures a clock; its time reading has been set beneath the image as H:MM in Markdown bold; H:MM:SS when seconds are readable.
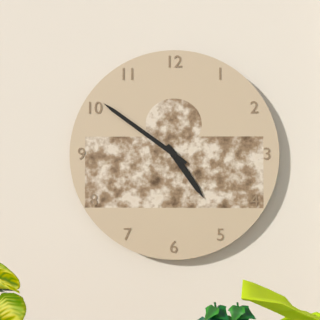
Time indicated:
**4:51**
